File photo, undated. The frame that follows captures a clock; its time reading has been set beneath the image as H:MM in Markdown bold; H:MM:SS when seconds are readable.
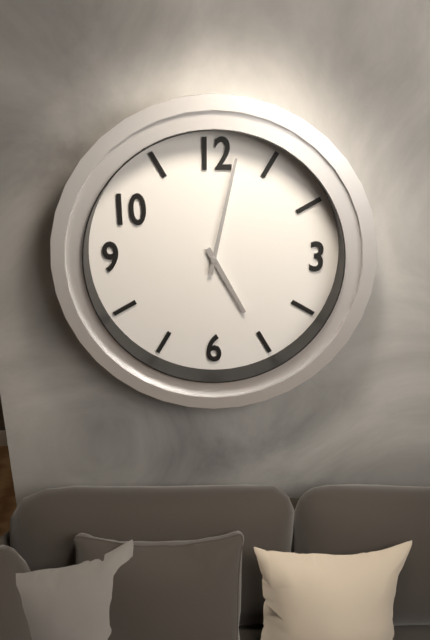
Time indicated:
**5:02**
